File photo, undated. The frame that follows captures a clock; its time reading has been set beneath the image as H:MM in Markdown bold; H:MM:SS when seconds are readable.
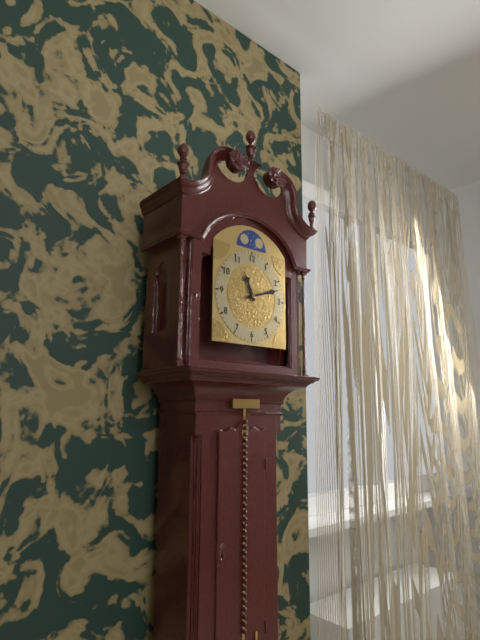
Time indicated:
**11:12**
